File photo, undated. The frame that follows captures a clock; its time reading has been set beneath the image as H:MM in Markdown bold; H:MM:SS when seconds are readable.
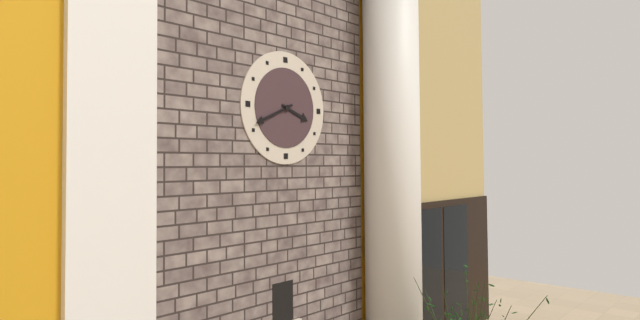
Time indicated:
**3:41**
